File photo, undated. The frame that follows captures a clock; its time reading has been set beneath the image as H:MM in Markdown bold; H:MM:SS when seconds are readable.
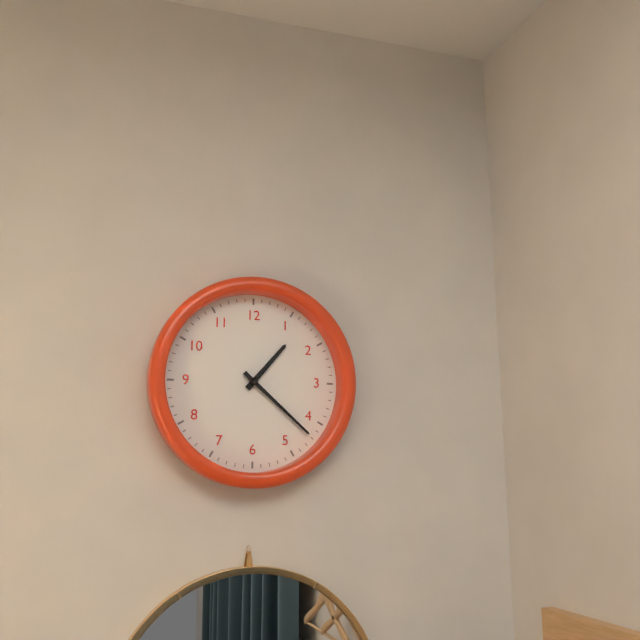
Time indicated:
**1:22**
